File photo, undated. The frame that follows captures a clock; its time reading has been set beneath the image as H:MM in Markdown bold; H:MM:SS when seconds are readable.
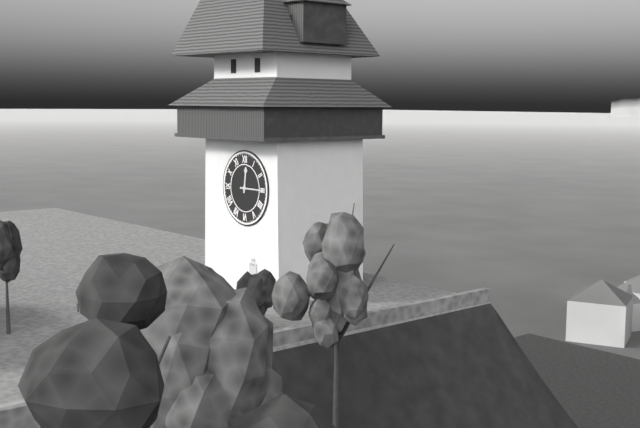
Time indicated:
**12:15**
